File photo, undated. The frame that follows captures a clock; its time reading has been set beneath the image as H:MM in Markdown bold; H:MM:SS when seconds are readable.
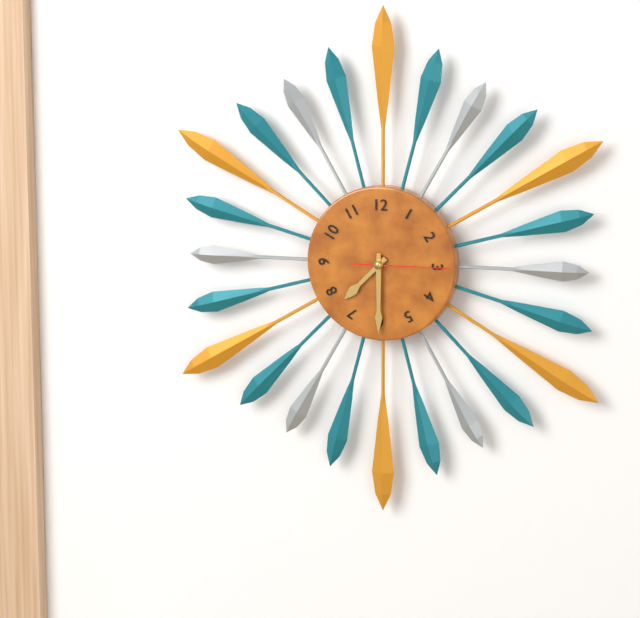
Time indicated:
**7:30:15**
